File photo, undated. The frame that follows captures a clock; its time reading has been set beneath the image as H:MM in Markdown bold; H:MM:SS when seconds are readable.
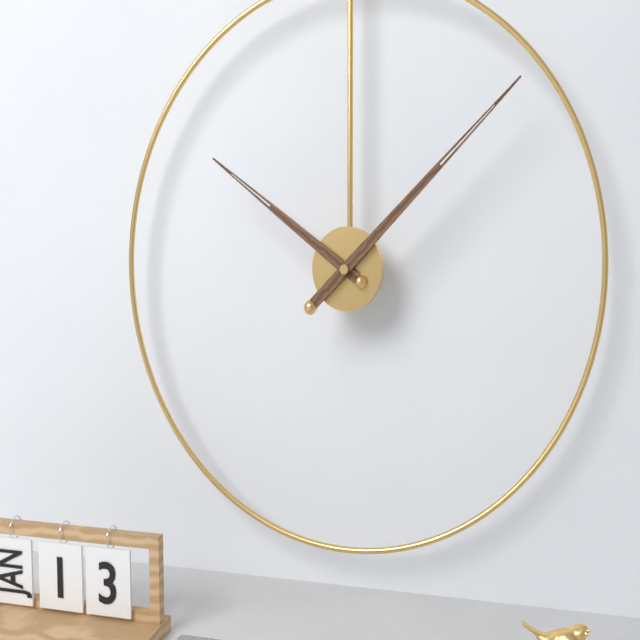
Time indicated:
**10:08**
